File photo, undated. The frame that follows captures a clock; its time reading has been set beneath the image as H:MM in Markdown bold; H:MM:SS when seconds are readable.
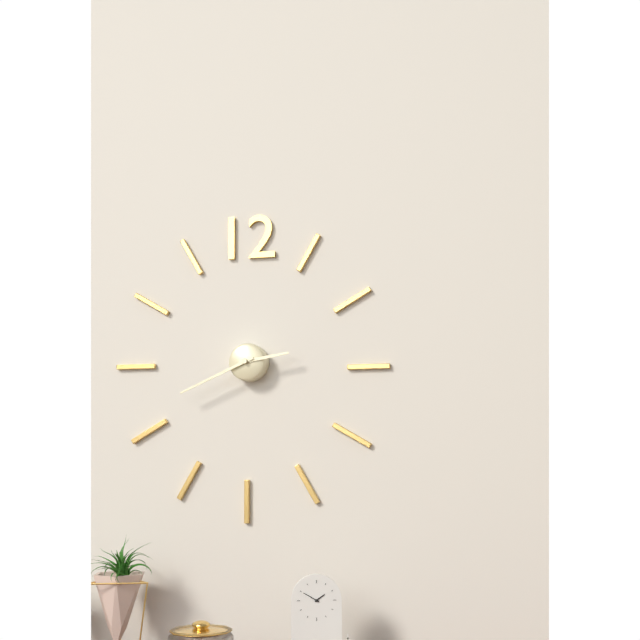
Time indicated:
**2:41**
